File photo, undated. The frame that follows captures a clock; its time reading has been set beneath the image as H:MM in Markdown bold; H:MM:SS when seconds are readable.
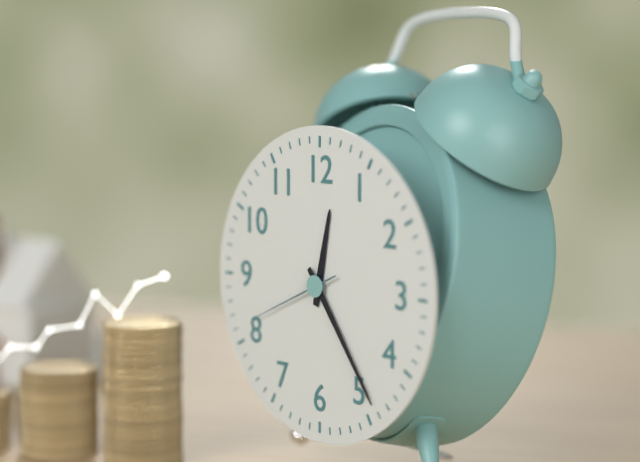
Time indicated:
**12:24:41**
